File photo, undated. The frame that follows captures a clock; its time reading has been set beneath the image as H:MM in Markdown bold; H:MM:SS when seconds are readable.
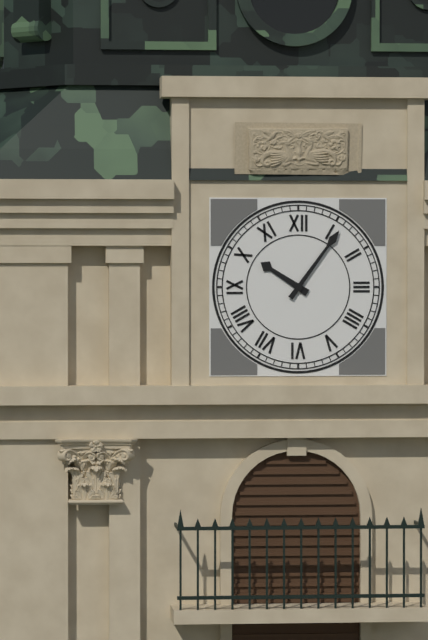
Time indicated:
**10:06**
